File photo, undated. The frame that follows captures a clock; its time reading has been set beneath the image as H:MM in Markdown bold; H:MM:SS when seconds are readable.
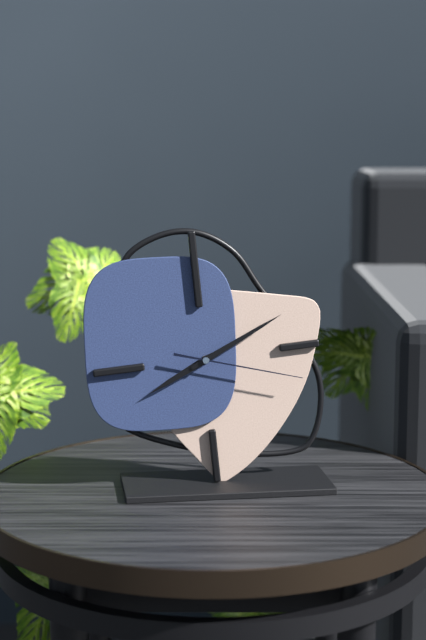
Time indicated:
**8:11:18**
